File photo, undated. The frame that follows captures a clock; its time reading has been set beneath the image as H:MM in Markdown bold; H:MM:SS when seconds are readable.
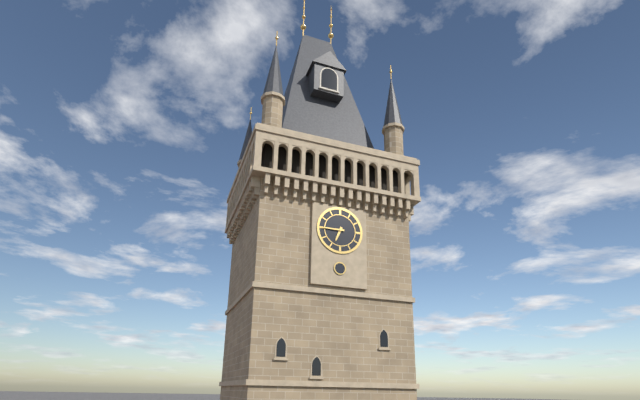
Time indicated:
**6:45**
